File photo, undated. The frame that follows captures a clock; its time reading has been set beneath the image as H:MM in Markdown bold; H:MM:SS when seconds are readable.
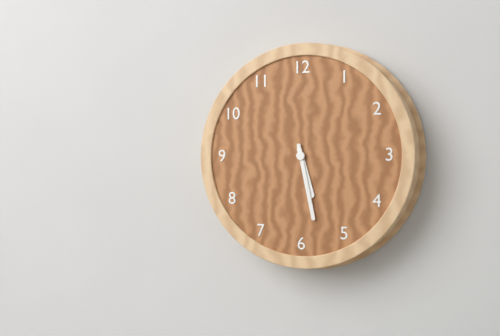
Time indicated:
**5:28**
